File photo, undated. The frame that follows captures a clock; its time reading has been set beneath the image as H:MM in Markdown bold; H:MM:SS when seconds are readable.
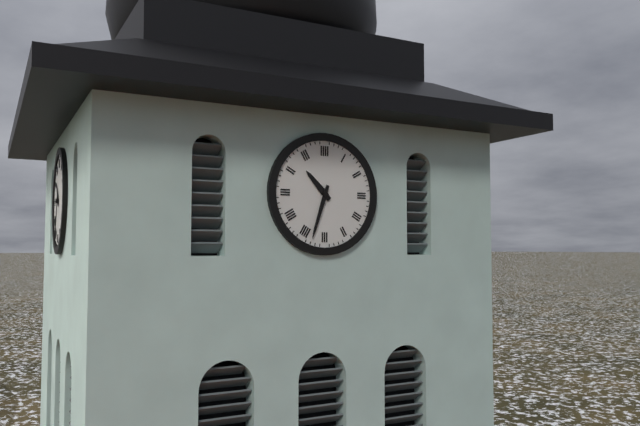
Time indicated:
**10:33**
